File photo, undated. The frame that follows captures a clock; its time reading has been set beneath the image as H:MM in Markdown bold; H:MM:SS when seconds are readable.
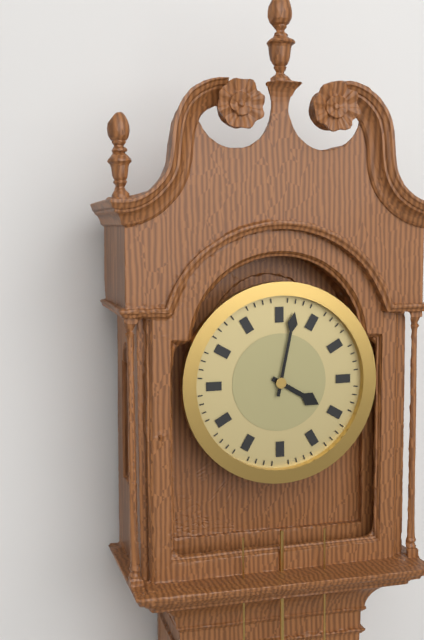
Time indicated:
**4:02**
